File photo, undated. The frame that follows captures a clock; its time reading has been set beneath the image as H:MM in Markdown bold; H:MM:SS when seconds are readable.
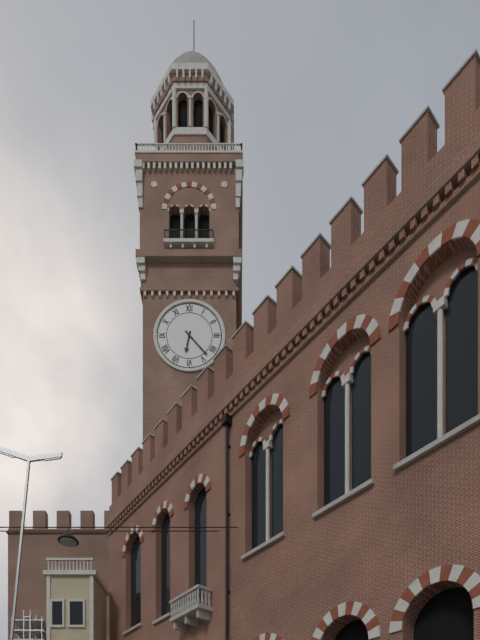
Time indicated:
**6:23**
